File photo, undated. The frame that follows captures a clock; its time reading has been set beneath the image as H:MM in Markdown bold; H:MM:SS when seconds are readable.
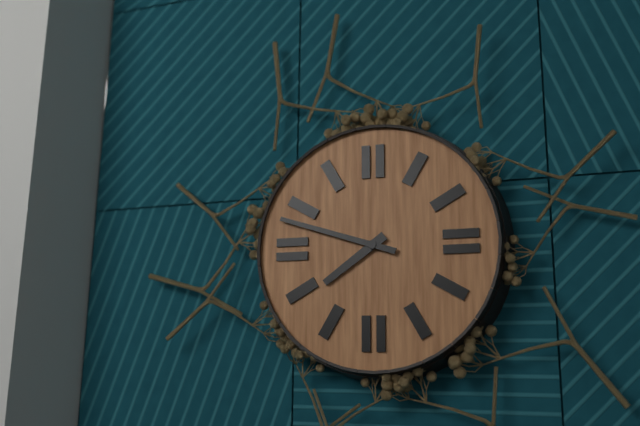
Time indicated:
**7:48**
